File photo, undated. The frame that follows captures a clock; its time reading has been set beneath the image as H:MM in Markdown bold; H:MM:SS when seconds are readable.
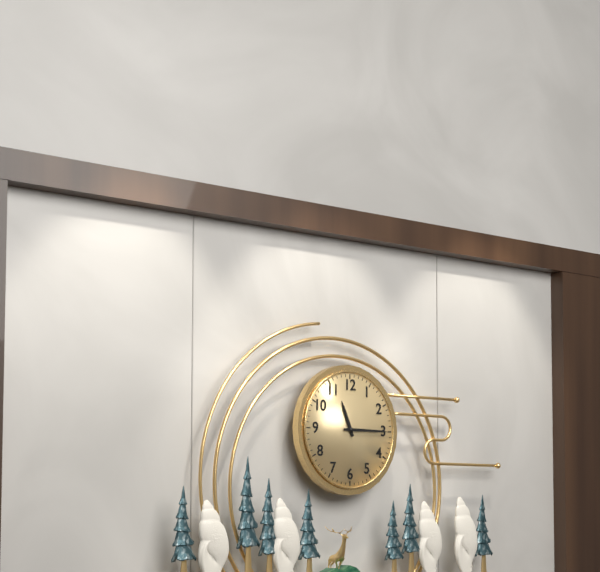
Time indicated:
**11:15**
